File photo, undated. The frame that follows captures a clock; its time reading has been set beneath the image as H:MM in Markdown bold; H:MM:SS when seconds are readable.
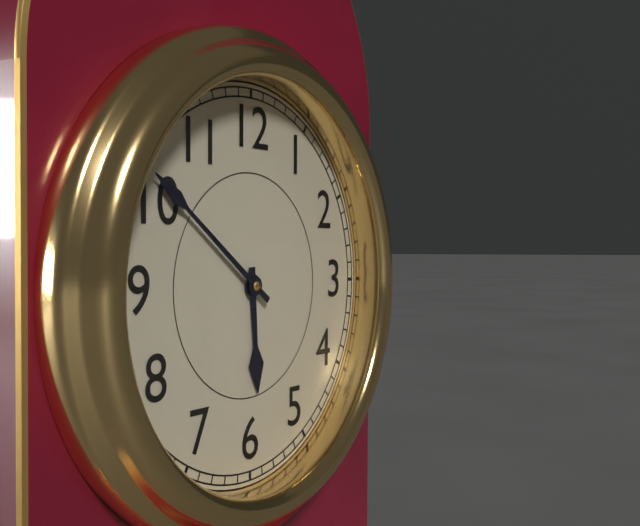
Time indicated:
**5:51**
